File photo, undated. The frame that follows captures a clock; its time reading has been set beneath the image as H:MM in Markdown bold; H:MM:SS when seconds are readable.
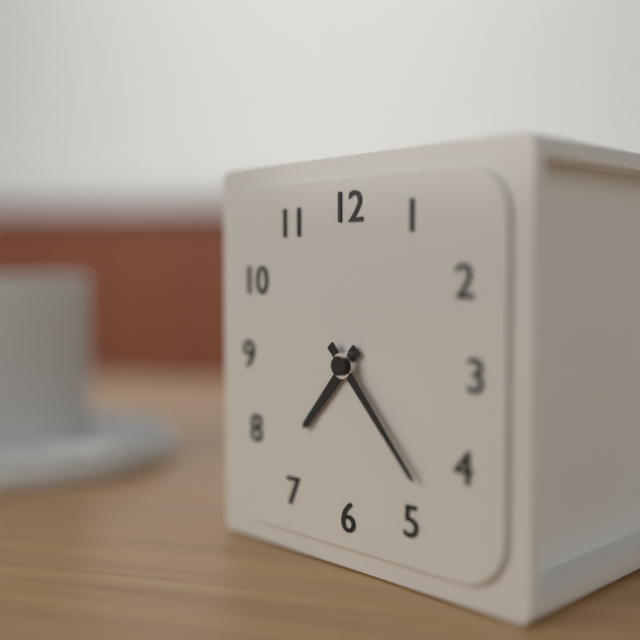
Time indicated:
**7:23**
